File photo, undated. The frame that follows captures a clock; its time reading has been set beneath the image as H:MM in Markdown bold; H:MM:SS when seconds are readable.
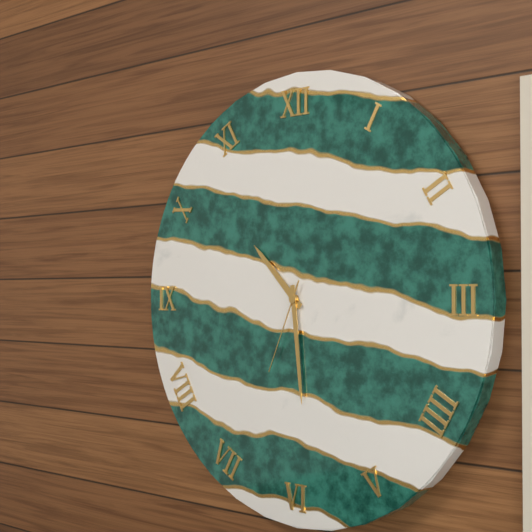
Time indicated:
**10:29:34**
